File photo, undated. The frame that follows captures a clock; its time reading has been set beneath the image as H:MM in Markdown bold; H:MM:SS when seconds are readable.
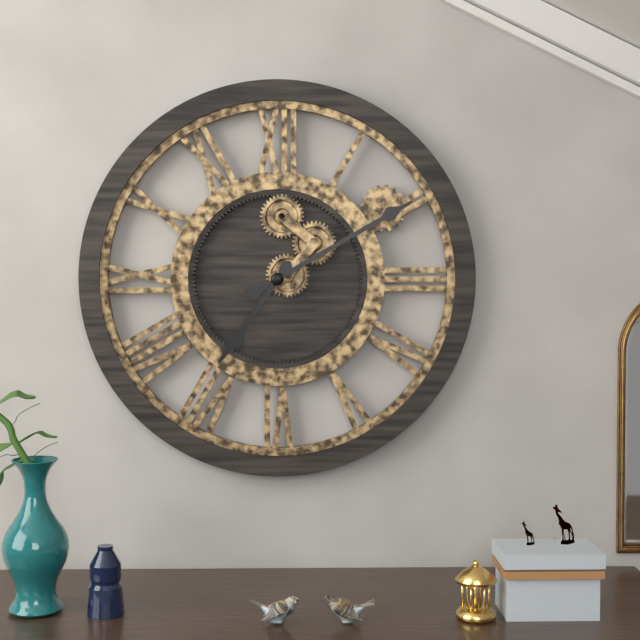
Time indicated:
**7:10**
